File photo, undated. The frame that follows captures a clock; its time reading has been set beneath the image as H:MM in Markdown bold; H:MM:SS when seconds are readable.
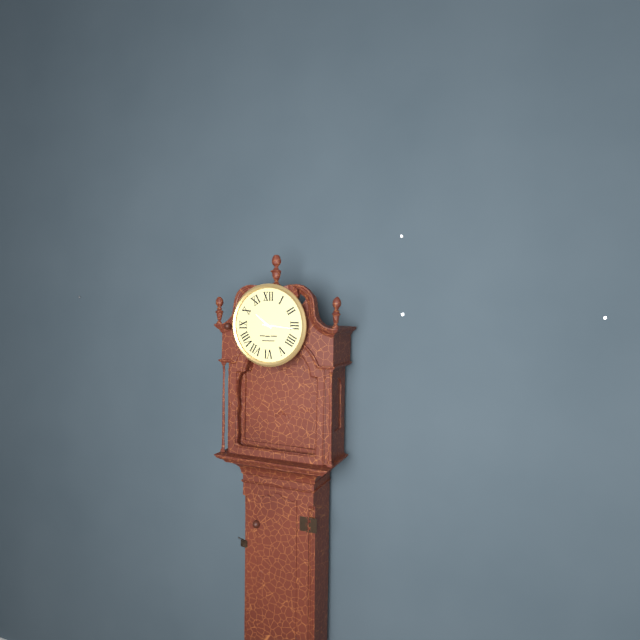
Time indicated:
**10:16**
